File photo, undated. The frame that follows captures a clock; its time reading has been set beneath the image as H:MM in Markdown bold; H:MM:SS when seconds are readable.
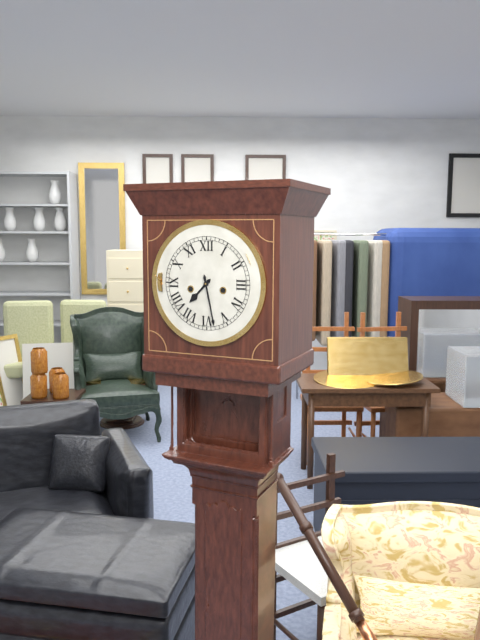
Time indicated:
**7:28**
